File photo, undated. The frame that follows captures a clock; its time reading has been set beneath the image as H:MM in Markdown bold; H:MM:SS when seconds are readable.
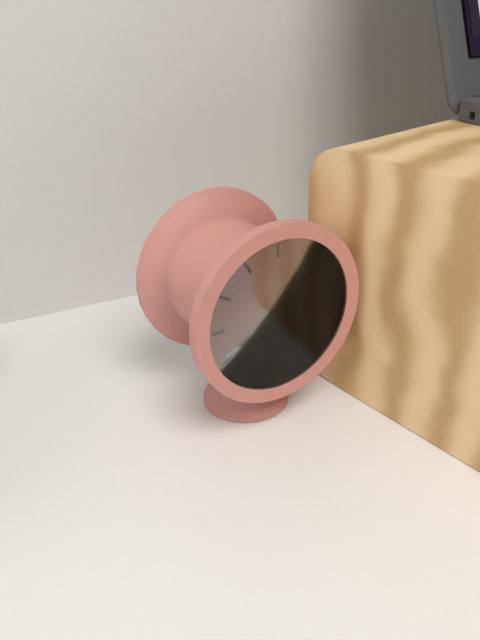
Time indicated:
**1:41:07**
